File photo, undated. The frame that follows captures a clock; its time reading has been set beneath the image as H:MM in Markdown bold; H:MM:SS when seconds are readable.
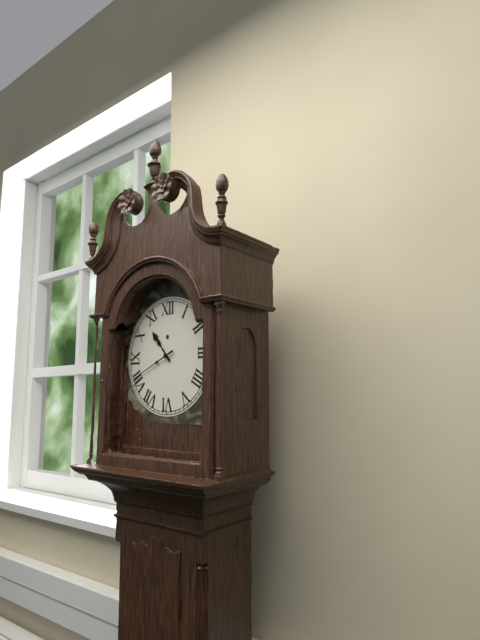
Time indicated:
**10:41**
